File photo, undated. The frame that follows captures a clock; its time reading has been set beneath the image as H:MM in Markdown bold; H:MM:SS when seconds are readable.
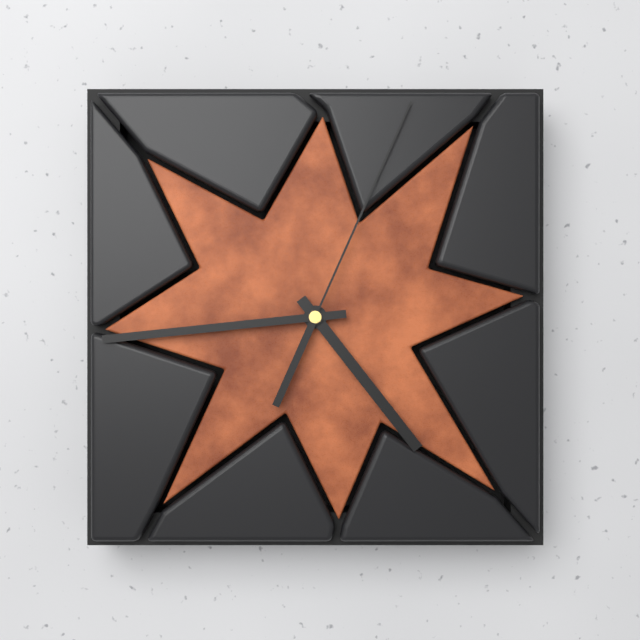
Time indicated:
**4:44:04**
